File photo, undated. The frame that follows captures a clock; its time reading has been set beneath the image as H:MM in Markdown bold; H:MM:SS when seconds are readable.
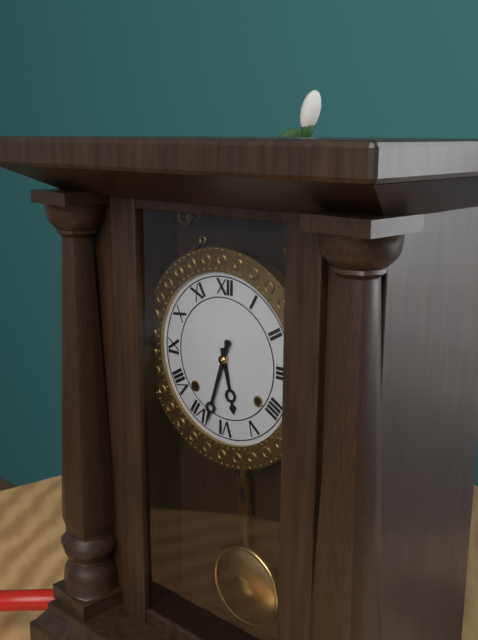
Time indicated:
**5:33**
